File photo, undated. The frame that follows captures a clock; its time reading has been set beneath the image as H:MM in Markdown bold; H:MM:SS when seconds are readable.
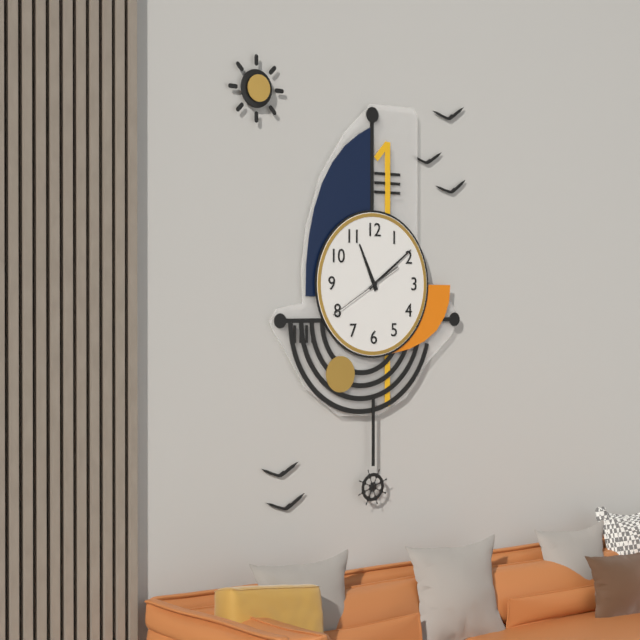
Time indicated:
**11:09:40**
